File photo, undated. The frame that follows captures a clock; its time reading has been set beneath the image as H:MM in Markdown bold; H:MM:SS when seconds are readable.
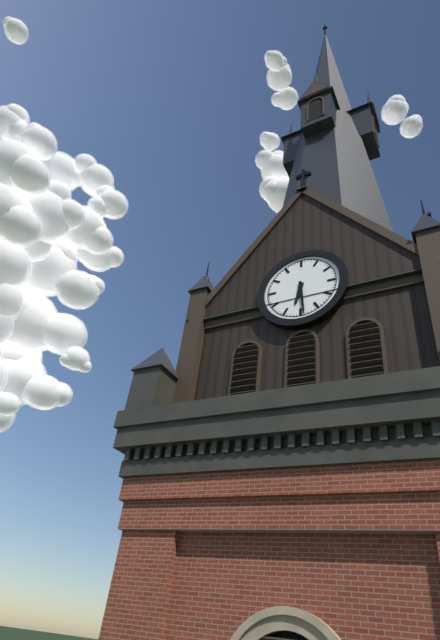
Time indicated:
**6:29**
